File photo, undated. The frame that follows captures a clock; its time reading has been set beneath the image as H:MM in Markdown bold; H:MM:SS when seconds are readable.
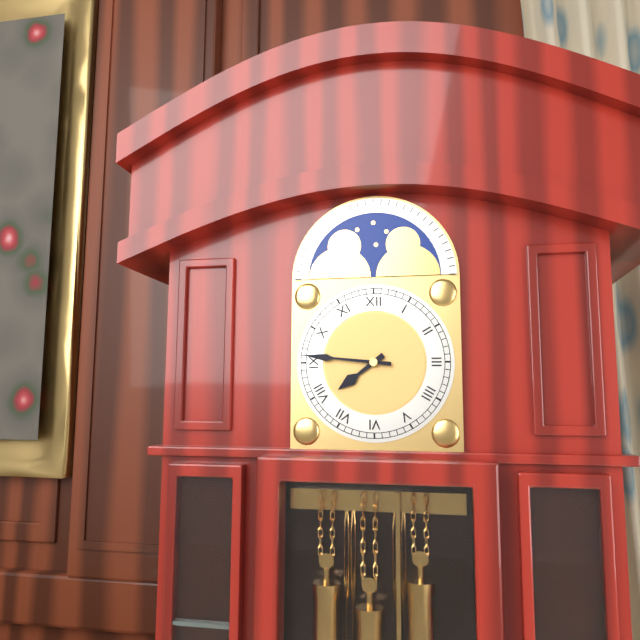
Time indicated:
**7:46**
